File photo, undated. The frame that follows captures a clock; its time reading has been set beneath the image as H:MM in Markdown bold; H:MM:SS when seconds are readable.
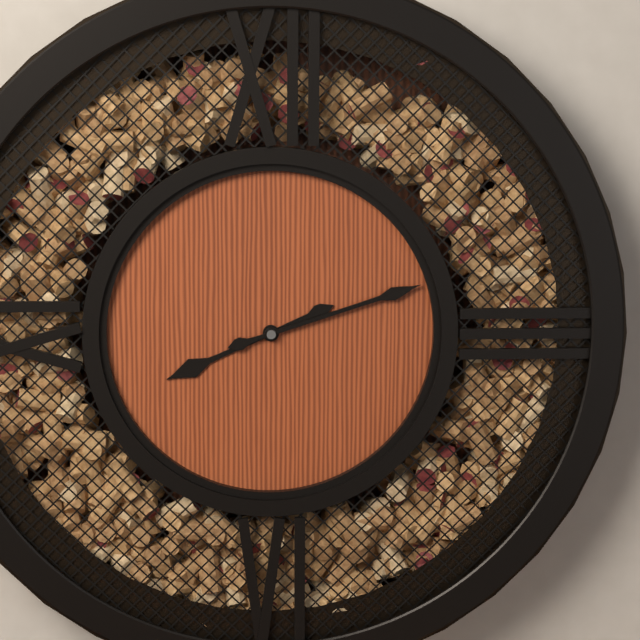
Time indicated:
**8:12**
